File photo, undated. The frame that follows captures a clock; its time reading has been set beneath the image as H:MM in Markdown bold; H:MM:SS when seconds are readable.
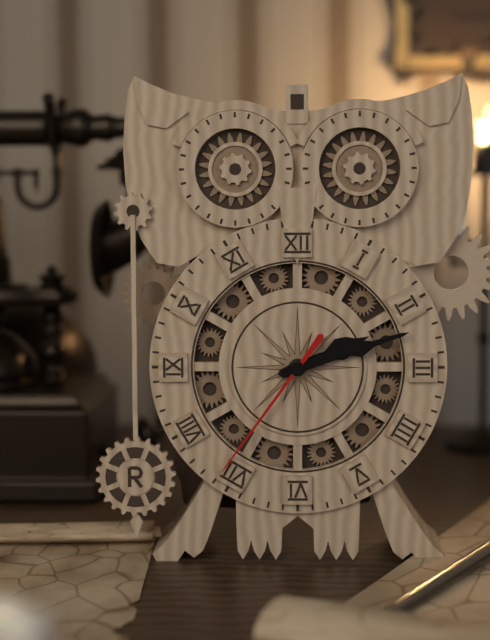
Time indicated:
**2:12:36**
